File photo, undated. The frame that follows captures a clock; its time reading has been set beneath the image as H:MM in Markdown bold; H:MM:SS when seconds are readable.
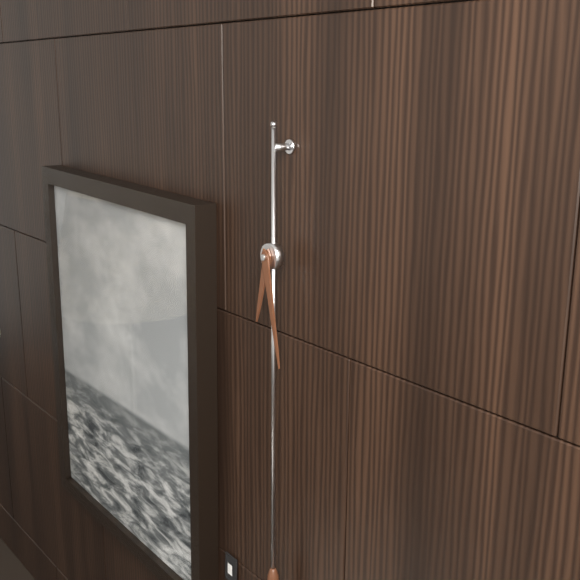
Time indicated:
**6:28**
